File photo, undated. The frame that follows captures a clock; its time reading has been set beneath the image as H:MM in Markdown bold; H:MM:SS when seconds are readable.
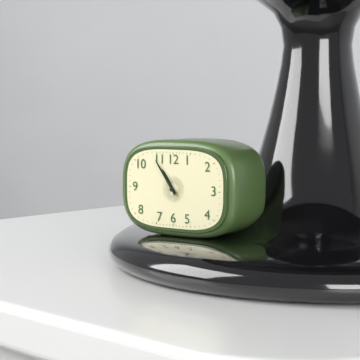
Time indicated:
**10:54**
